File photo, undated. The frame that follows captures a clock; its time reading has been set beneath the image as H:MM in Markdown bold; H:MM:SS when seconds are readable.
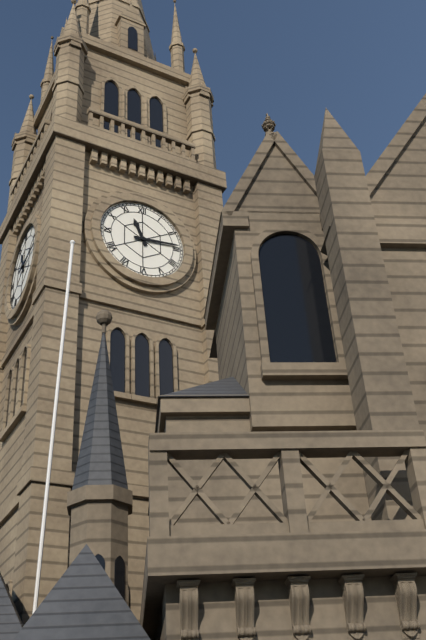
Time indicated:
**11:14**
